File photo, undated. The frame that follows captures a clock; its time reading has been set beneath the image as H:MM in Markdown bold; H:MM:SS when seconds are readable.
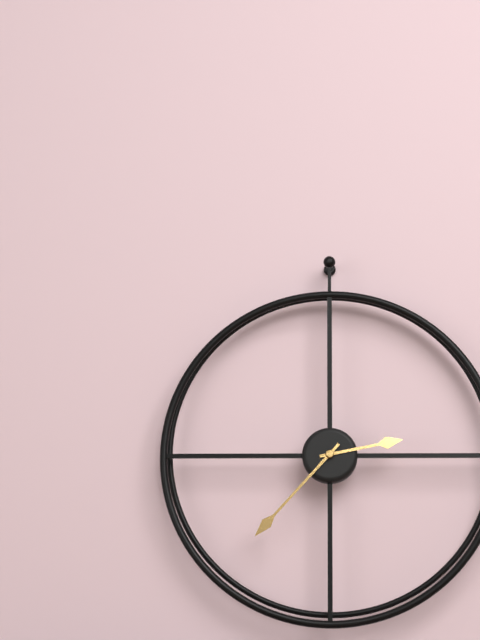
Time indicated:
**2:37**
